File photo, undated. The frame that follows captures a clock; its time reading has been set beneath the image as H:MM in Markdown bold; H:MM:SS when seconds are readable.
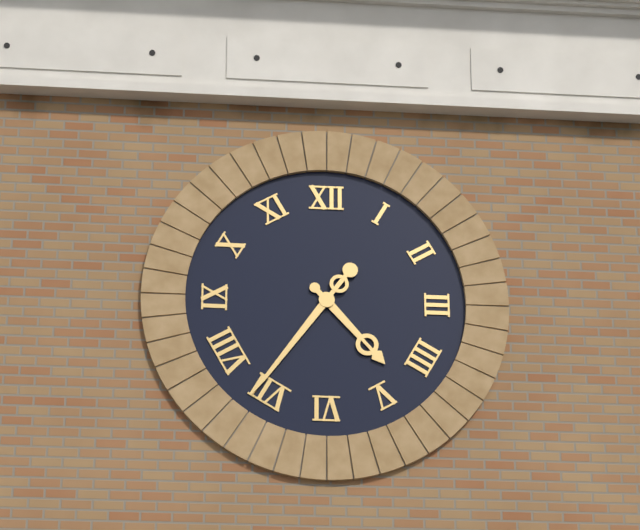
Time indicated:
**4:36**
